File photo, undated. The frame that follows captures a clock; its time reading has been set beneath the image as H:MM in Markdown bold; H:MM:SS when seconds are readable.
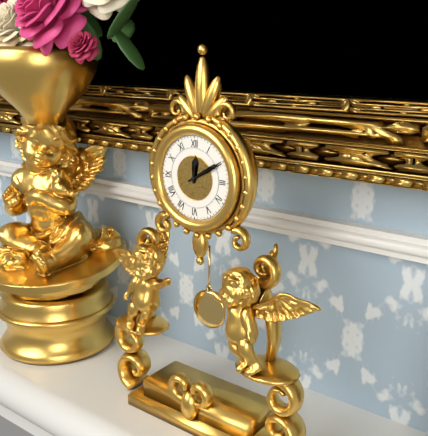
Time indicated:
**12:10**
